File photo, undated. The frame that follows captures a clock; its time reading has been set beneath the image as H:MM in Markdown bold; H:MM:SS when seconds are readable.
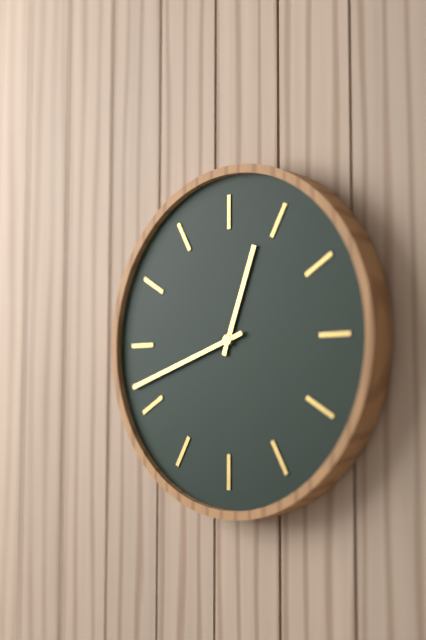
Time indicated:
**12:42**
